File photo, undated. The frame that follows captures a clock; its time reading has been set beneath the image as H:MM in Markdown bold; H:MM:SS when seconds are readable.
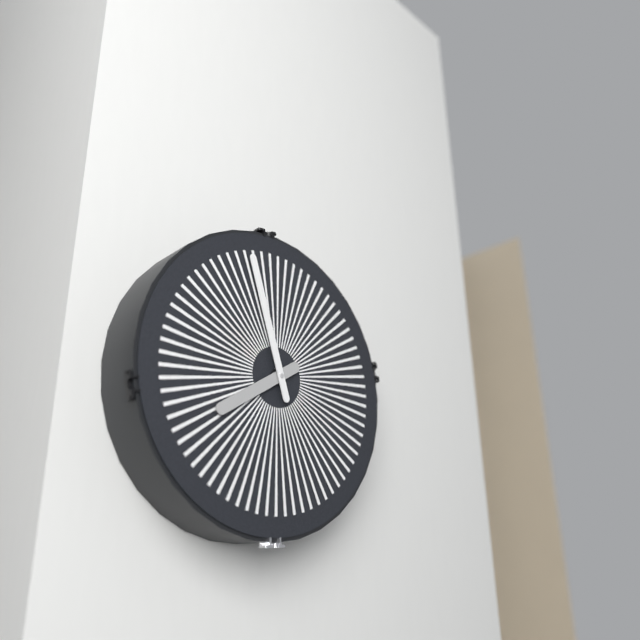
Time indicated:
**7:57**
